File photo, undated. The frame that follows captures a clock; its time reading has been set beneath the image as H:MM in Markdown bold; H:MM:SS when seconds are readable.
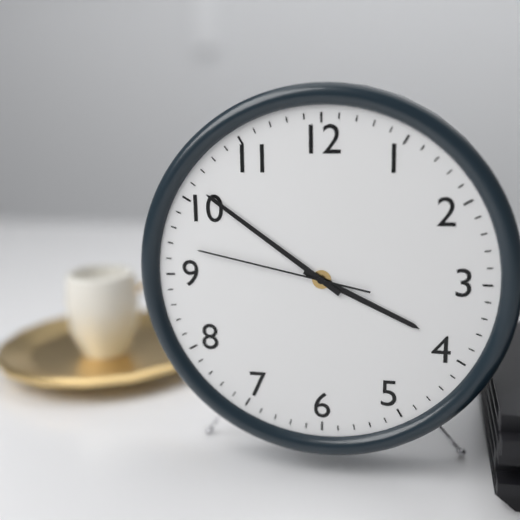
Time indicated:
**3:51:47**
